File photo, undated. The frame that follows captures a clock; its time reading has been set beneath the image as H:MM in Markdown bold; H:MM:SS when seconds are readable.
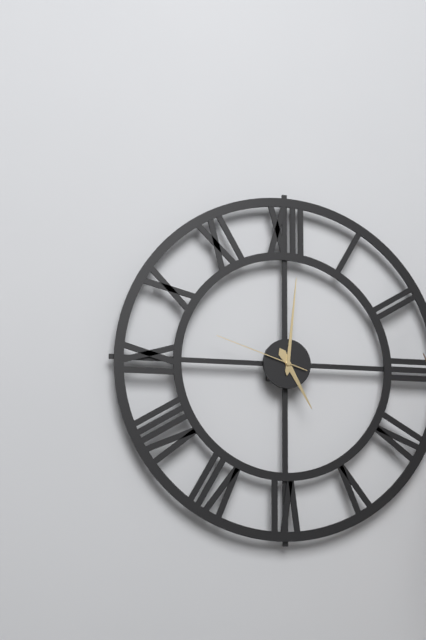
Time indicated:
**5:01:48**
